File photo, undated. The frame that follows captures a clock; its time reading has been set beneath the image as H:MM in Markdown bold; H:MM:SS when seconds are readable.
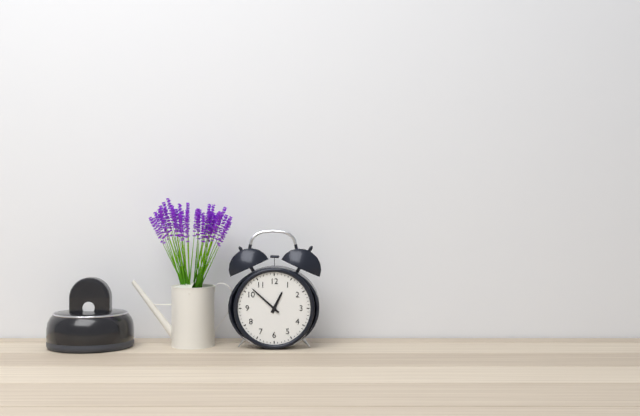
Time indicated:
**12:52**
